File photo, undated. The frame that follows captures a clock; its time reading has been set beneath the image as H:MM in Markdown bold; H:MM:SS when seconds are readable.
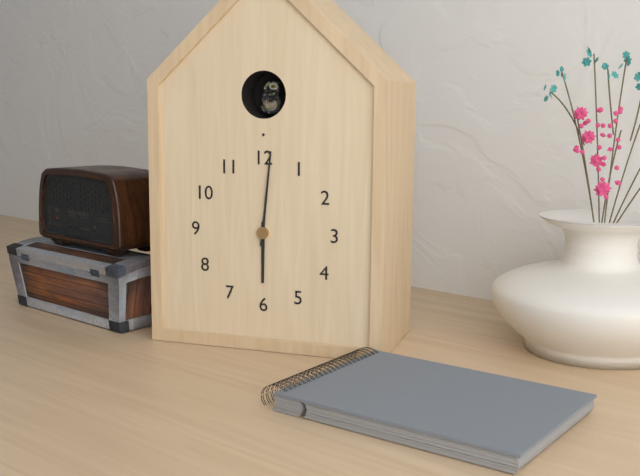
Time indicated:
**6:01**
